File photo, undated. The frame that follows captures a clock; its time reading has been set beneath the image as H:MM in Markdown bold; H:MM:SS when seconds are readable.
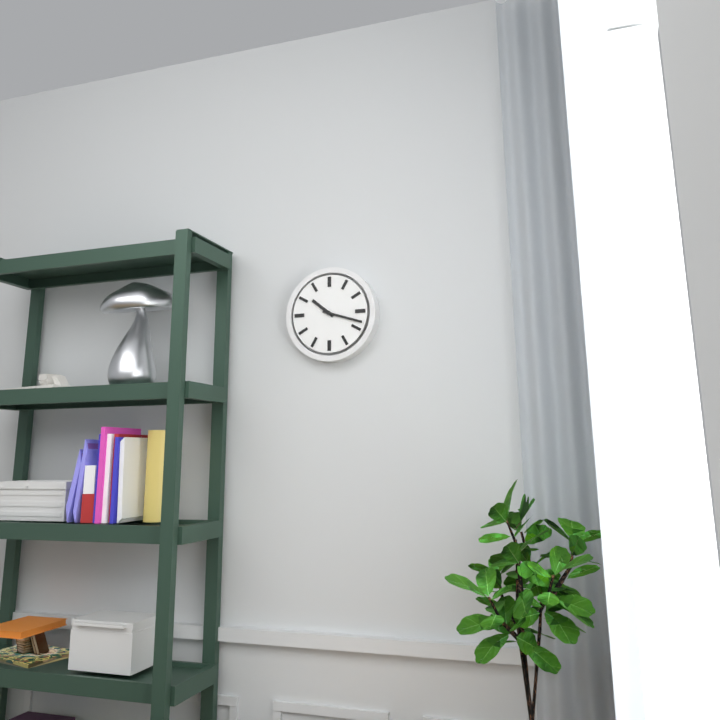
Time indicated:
**10:18**
